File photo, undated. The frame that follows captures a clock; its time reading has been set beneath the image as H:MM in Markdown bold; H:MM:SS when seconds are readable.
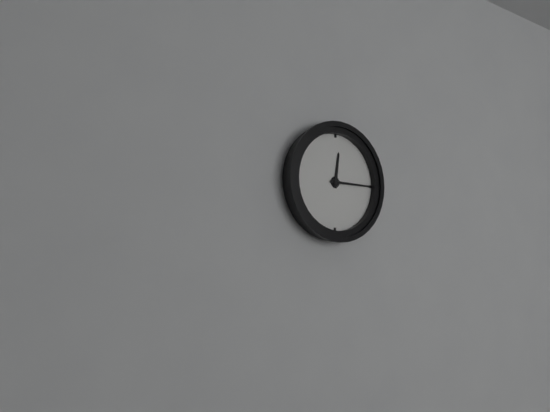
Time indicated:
**12:15**
